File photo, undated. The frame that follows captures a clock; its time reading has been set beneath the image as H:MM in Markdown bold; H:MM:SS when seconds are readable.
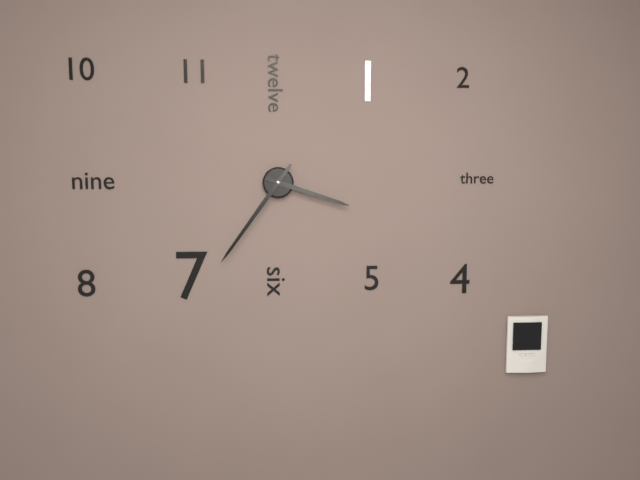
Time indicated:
**3:36**
